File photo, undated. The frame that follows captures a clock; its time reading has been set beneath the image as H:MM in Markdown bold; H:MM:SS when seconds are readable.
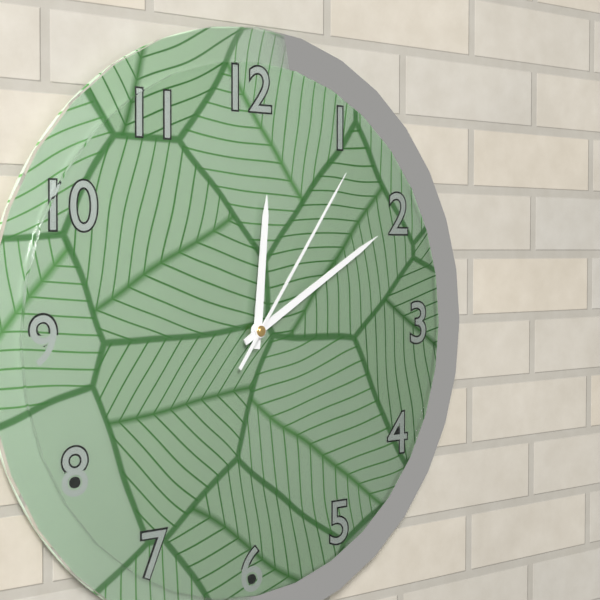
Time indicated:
**12:10:06**
